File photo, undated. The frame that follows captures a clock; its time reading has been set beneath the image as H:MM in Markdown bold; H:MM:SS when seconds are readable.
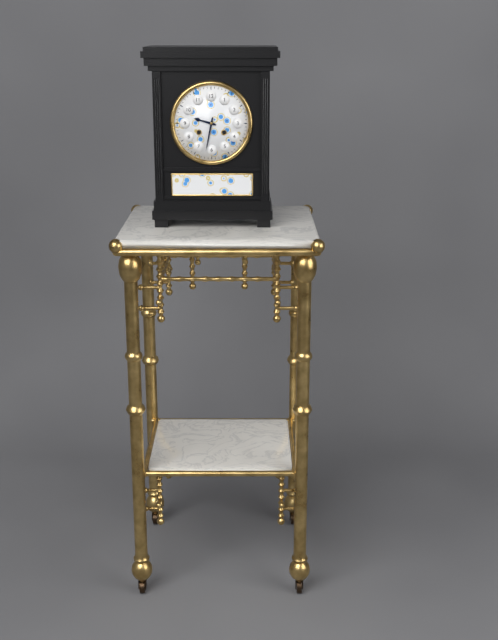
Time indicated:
**9:32**
